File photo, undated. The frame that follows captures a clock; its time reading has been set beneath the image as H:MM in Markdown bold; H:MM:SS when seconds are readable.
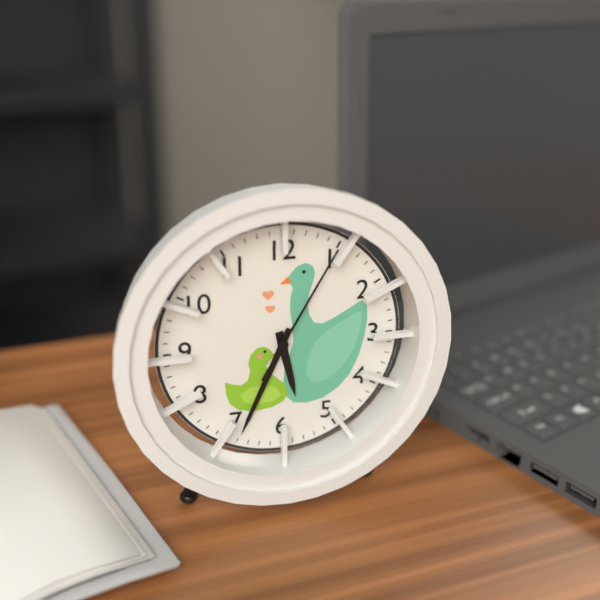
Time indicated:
**5:34:05**
